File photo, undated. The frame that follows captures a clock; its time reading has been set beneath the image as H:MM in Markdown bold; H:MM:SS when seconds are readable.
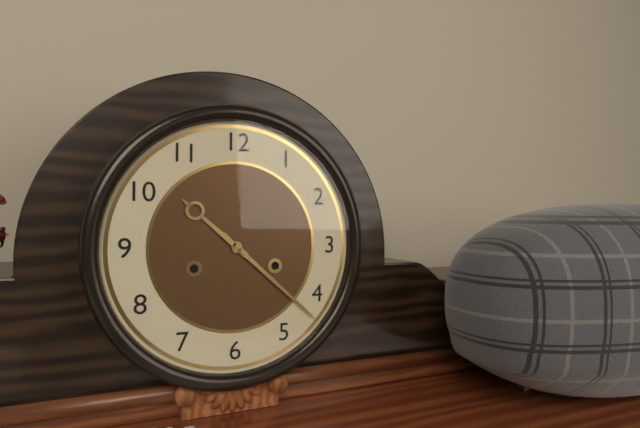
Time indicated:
**10:22**
